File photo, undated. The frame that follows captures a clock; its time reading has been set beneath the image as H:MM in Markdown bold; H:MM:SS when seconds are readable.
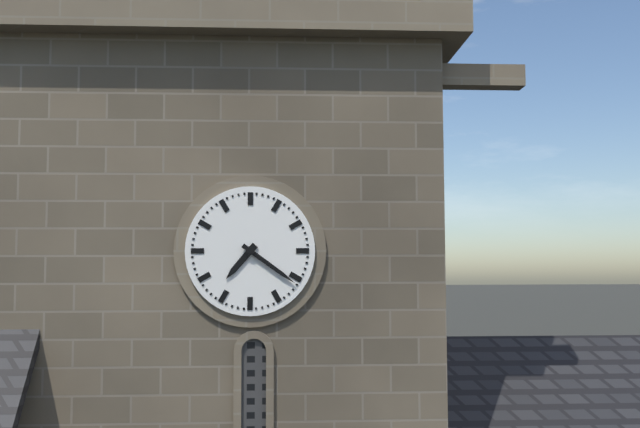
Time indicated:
**7:21**
